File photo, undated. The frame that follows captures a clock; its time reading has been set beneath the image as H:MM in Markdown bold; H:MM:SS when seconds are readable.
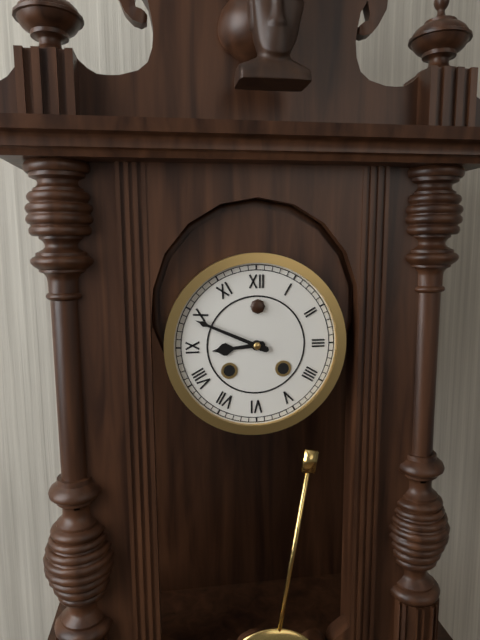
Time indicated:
**8:49**
